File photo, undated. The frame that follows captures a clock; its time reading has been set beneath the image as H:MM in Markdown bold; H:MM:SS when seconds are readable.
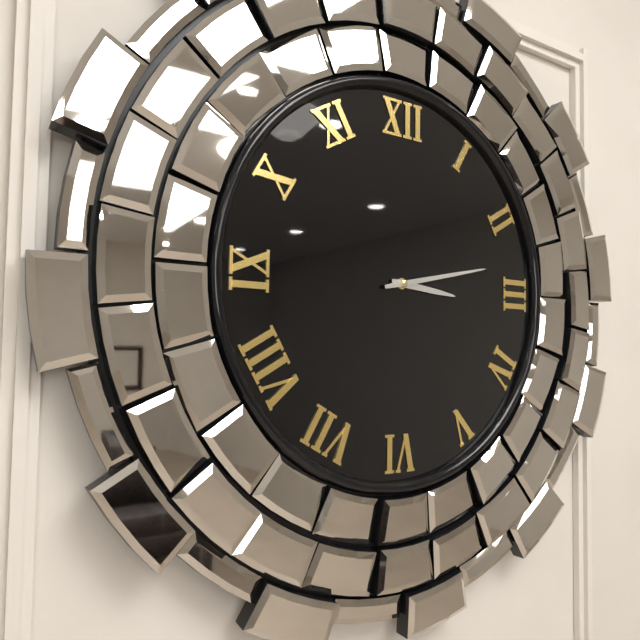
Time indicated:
**3:13**
